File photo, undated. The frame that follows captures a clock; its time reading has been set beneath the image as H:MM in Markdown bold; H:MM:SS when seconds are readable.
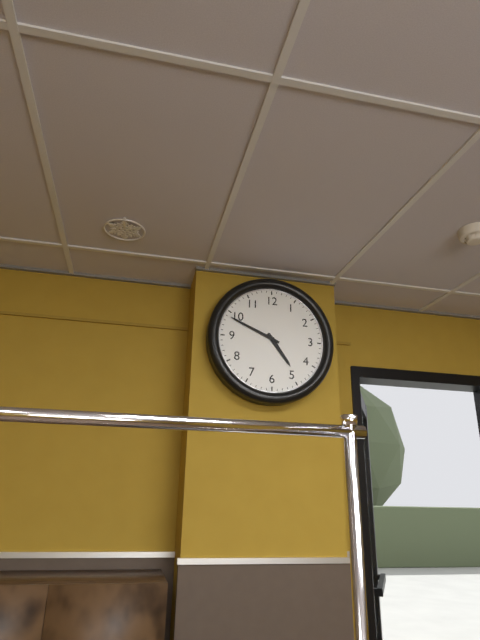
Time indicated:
**4:49**
